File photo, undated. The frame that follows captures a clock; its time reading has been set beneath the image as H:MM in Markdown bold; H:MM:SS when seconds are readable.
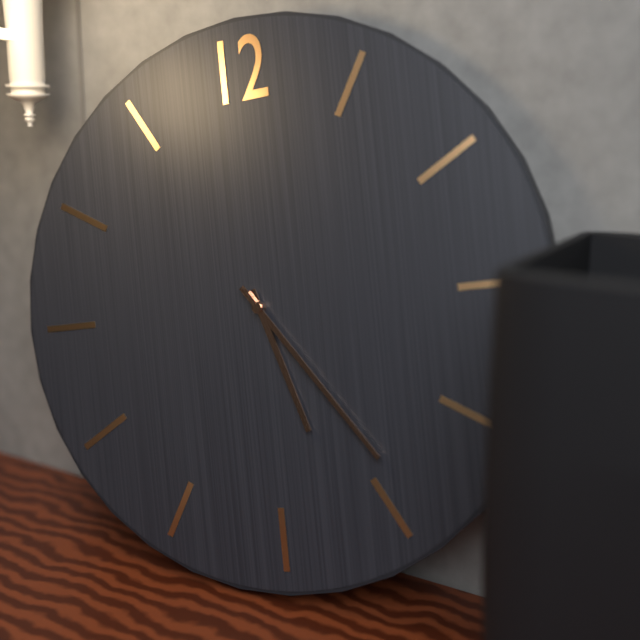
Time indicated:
**5:24**
